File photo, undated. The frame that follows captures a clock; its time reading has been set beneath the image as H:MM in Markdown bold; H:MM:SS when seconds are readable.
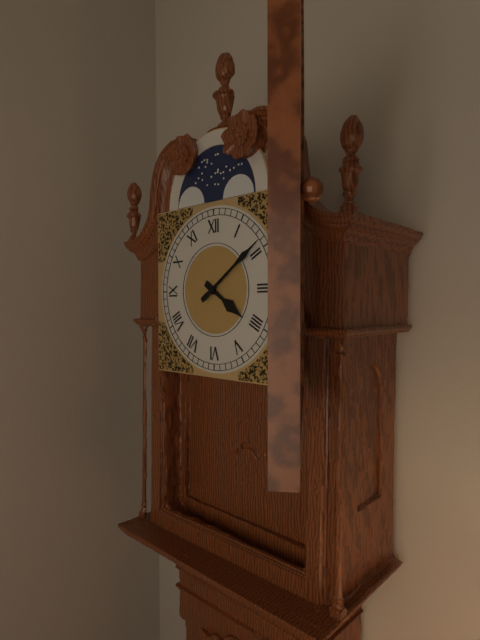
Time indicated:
**4:09**
